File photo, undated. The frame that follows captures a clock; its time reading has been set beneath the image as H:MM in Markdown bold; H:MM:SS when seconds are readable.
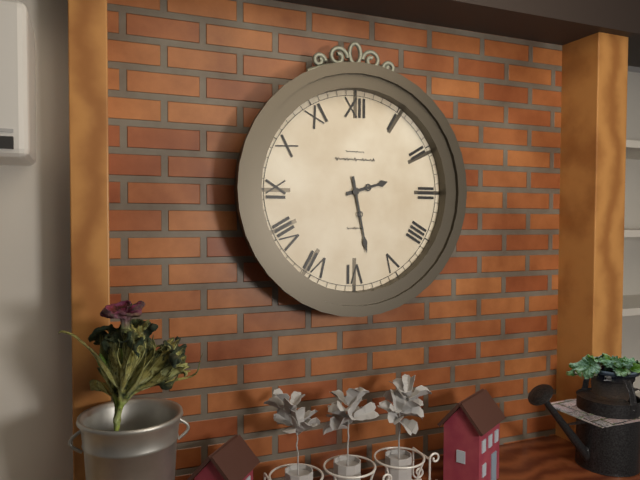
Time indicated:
**2:28**
